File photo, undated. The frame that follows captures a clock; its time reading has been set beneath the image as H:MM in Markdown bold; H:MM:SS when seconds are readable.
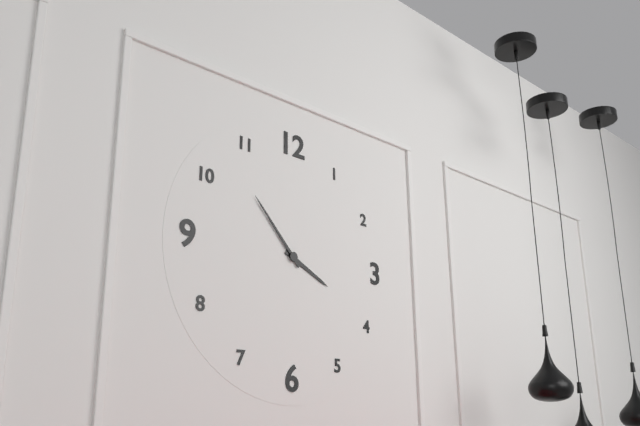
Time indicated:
**3:53**
